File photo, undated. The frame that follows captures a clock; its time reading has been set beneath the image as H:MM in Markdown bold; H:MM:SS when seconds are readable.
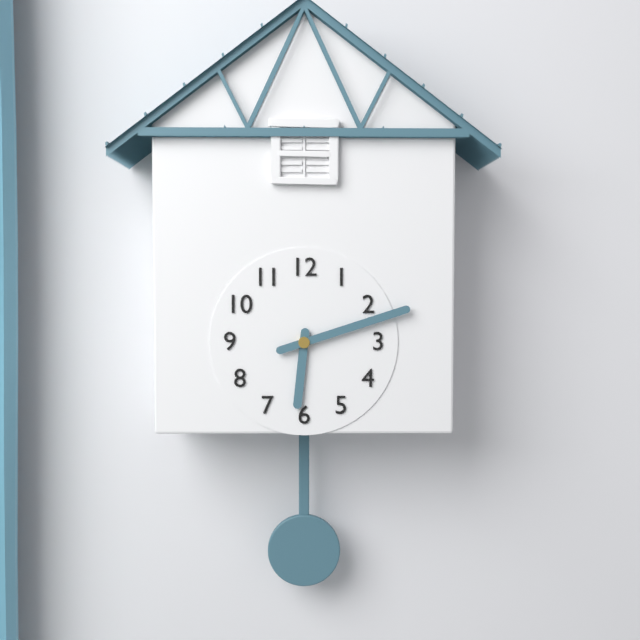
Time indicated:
**6:12**
